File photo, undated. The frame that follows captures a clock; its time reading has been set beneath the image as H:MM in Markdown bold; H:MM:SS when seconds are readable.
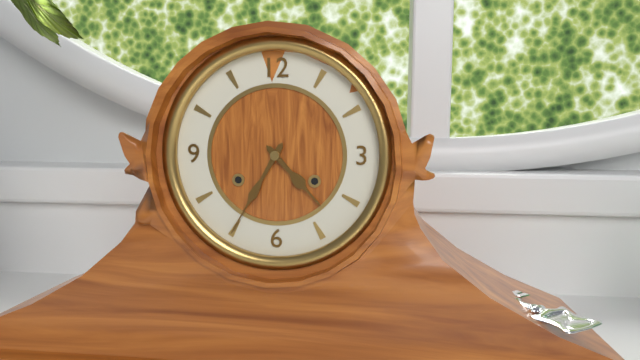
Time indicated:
**4:35**
